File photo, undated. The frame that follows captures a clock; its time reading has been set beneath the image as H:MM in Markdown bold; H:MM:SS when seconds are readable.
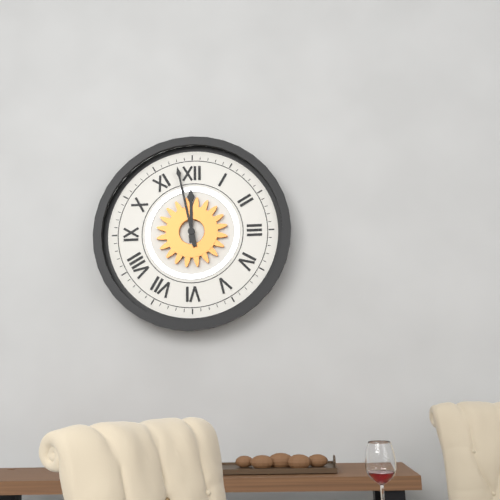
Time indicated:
**11:58**
